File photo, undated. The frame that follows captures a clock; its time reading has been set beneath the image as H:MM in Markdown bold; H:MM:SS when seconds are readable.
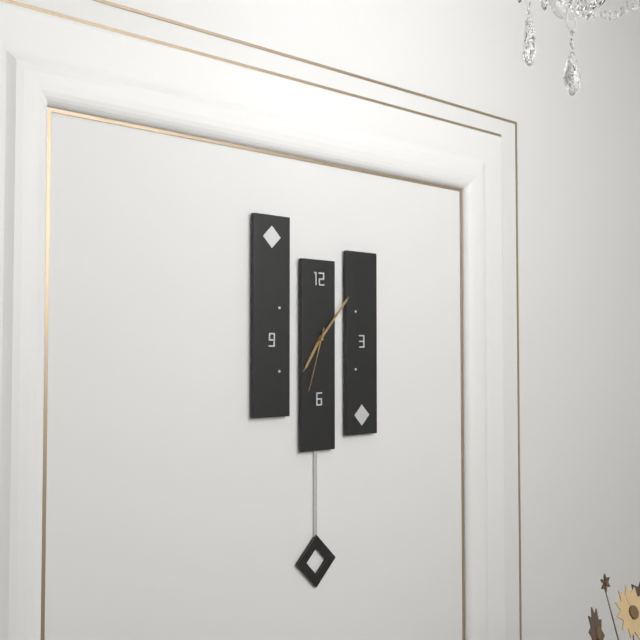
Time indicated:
**7:07:33**
